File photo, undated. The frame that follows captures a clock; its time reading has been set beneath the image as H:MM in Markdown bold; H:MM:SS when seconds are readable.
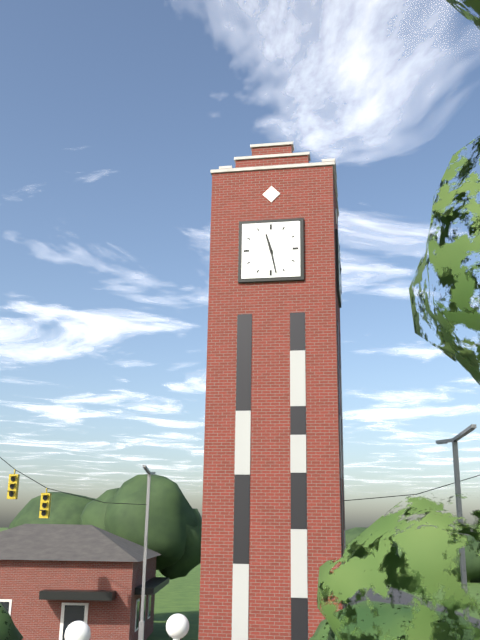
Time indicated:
**11:28**
